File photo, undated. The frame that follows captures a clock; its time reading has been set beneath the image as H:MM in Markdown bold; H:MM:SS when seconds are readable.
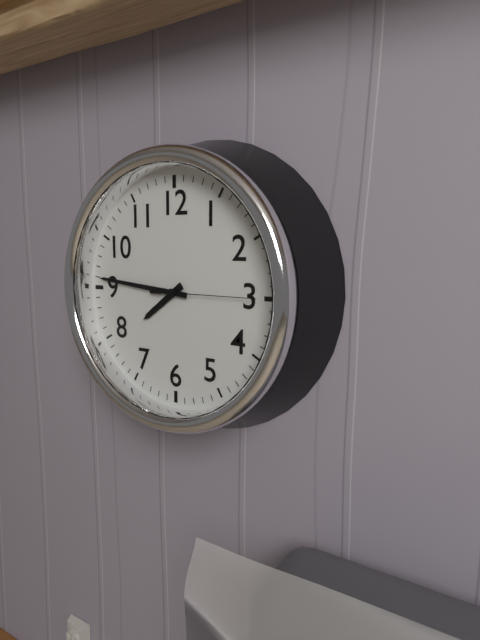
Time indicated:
**7:46:15**
